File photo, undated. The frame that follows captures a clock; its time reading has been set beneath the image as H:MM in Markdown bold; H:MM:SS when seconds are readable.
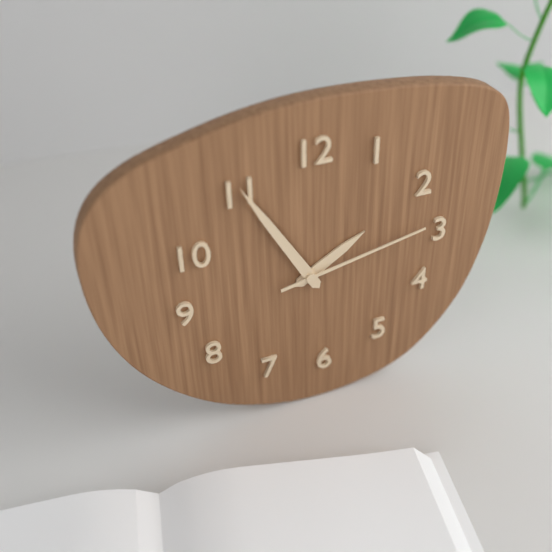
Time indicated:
**1:55:13**
